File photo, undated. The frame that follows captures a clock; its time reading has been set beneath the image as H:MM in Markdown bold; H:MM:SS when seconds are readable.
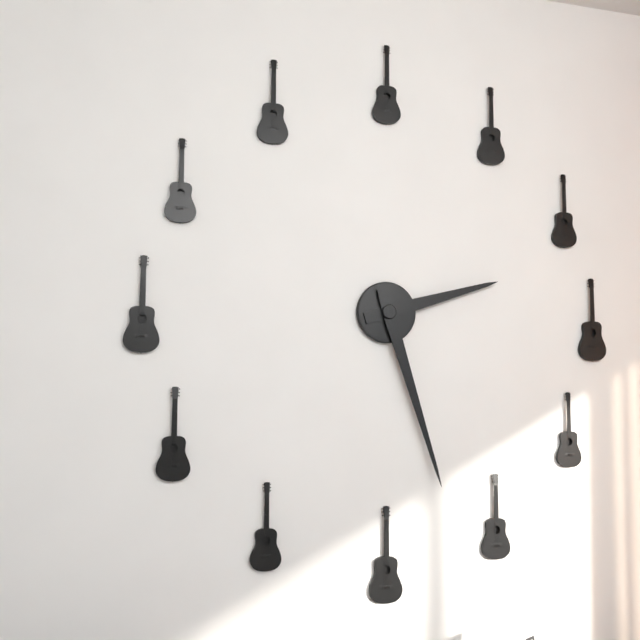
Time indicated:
**2:27**
